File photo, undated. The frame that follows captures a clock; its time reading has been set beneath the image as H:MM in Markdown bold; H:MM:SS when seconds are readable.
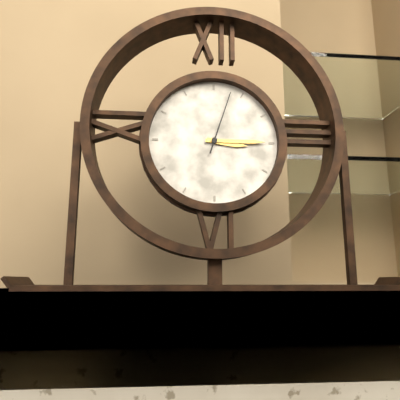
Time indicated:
**3:15:03**
